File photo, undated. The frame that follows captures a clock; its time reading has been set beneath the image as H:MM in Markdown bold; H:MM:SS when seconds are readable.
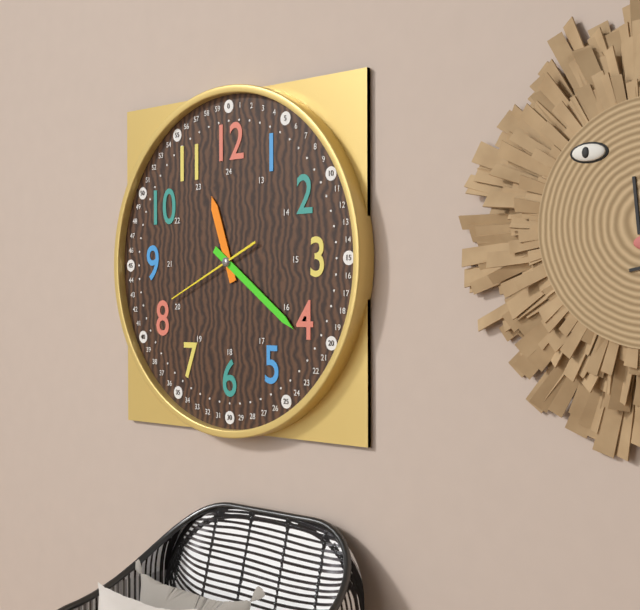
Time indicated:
**11:21:41**
